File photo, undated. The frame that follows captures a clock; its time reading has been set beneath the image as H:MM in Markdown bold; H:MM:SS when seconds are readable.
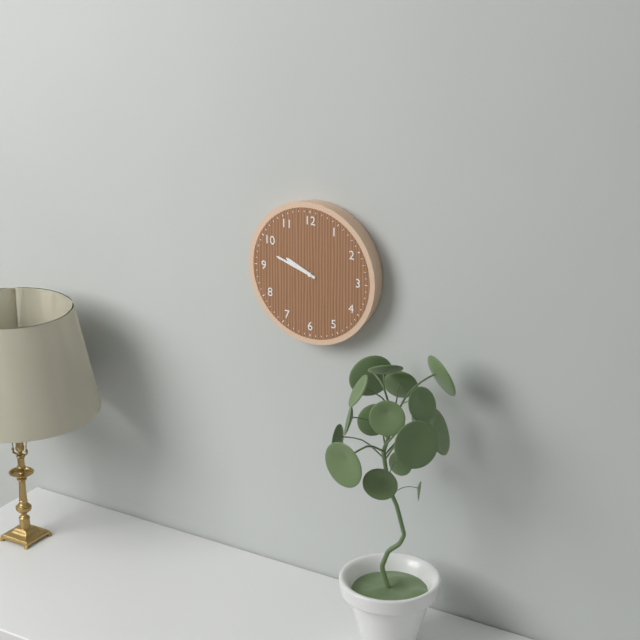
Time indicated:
**9:48**
